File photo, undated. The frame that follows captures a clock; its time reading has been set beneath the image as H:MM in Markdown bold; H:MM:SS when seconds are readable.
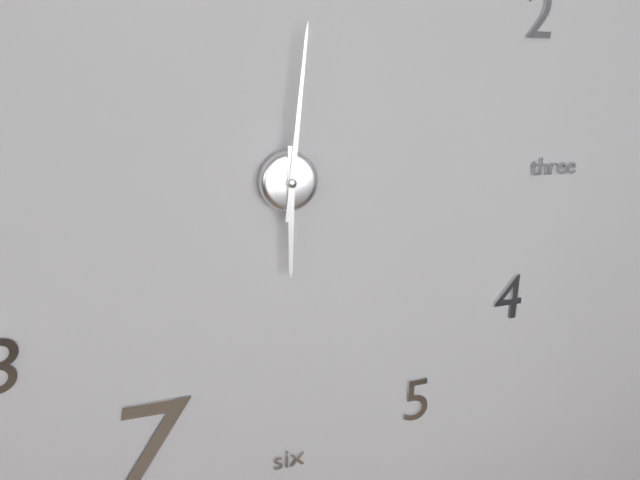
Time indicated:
**6:01**
